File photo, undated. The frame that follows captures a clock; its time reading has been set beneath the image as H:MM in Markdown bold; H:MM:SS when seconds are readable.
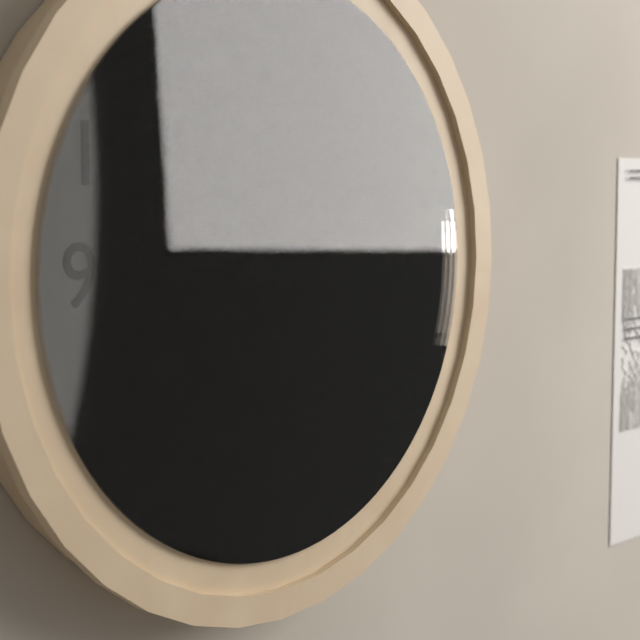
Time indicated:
**1:50**
